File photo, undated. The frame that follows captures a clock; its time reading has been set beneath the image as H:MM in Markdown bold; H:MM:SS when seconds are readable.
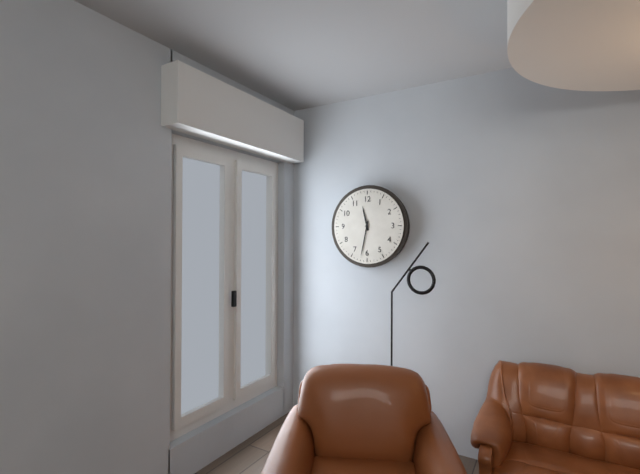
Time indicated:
**11:32**
